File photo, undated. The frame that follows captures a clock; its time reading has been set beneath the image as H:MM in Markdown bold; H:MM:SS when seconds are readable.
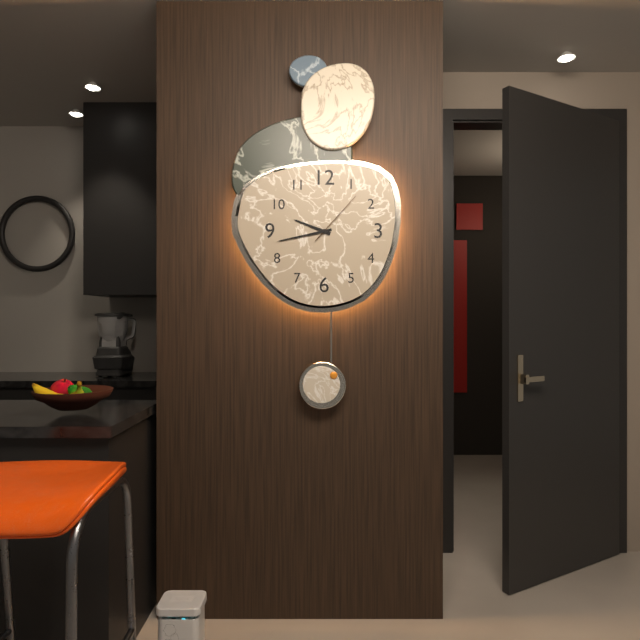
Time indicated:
**9:43:07**
